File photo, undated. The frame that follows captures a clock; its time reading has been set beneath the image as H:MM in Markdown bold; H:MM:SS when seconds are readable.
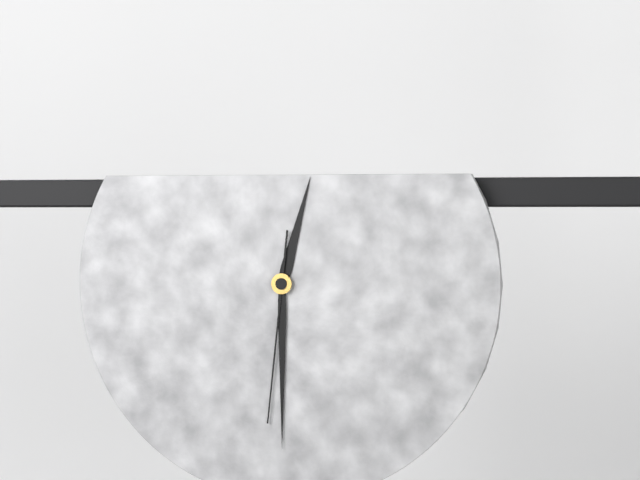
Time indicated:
**12:30:31**
